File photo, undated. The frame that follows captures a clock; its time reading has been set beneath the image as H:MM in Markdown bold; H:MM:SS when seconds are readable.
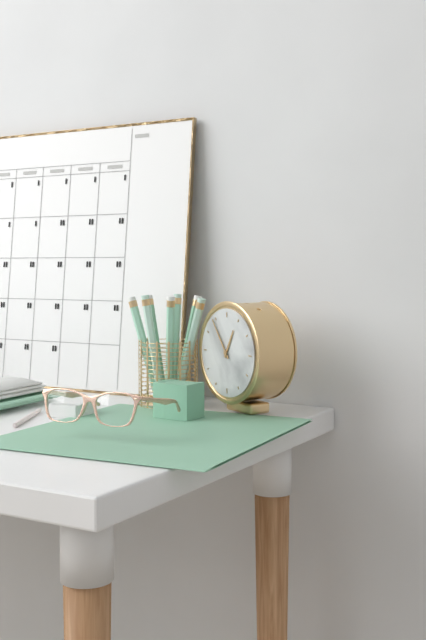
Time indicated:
**12:54**
